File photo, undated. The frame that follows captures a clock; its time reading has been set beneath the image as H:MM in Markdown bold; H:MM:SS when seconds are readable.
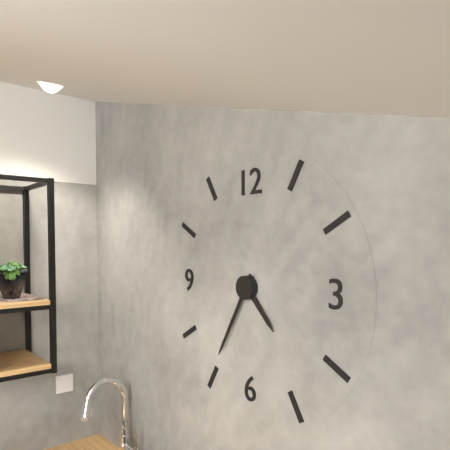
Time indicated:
**4:35**
